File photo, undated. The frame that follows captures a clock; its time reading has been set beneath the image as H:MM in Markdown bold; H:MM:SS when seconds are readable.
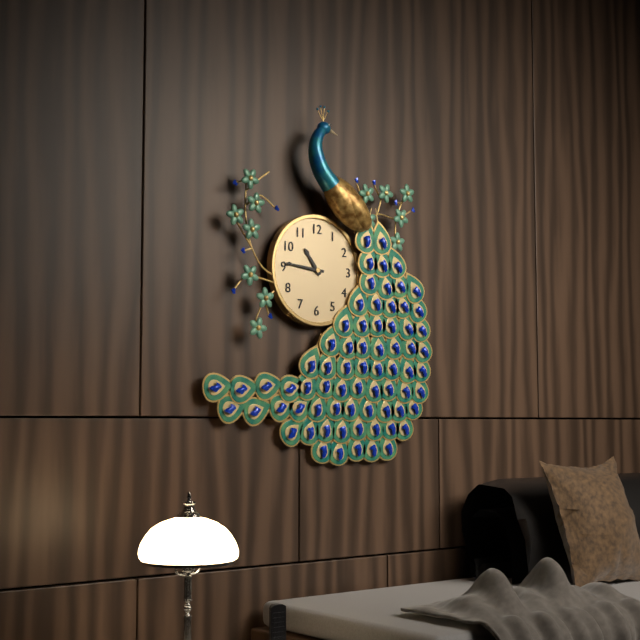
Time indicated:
**10:46**
